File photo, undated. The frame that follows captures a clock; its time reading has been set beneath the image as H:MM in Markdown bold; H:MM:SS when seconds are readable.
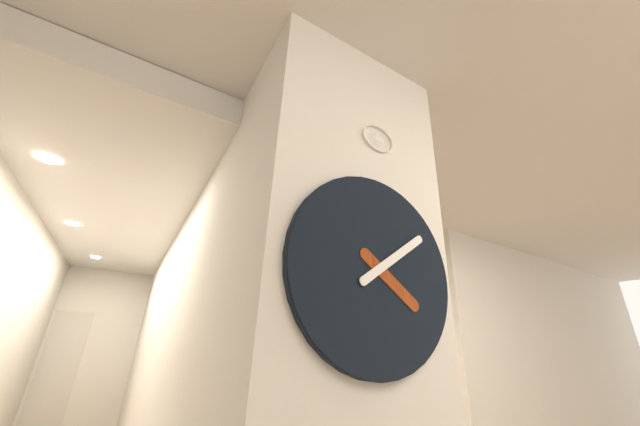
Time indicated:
**4:09**
